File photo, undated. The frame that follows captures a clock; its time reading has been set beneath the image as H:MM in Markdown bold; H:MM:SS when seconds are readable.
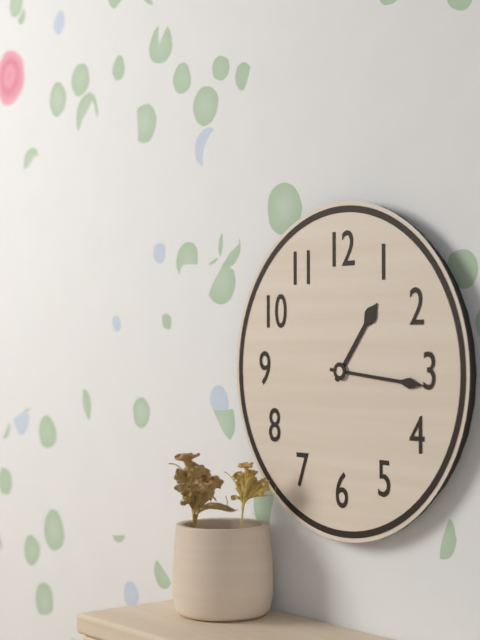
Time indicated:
**1:16**
